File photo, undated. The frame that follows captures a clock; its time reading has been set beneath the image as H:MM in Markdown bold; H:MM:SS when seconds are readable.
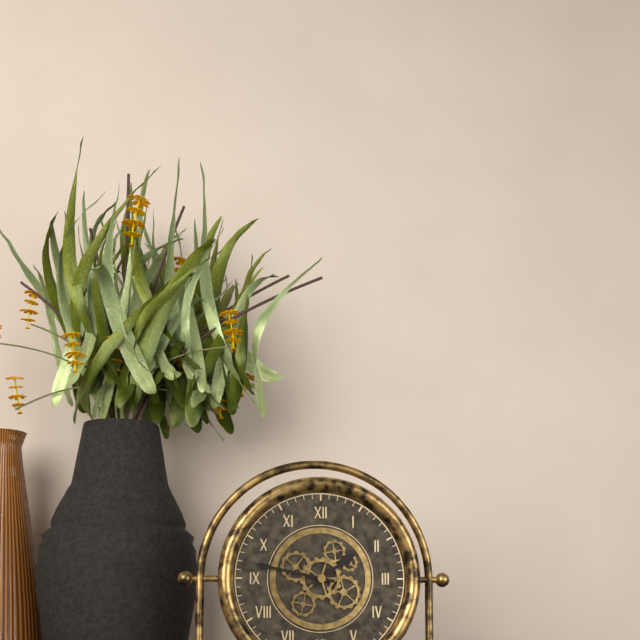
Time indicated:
**1:47**
